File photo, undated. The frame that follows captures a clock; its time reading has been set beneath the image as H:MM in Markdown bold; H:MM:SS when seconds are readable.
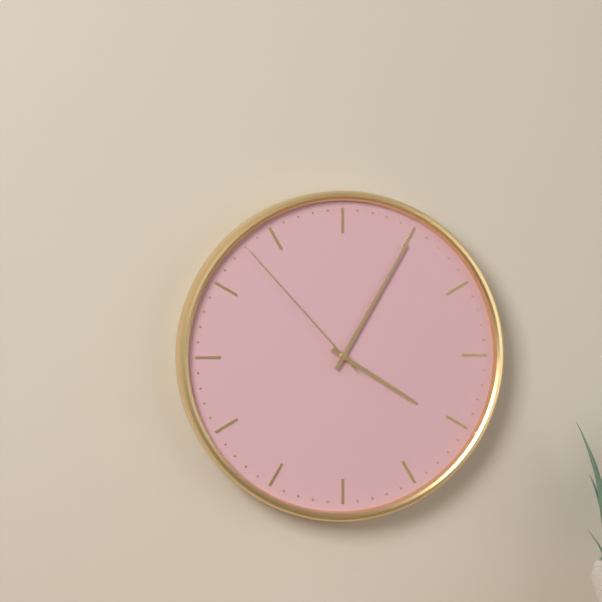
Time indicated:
**4:05:53**
